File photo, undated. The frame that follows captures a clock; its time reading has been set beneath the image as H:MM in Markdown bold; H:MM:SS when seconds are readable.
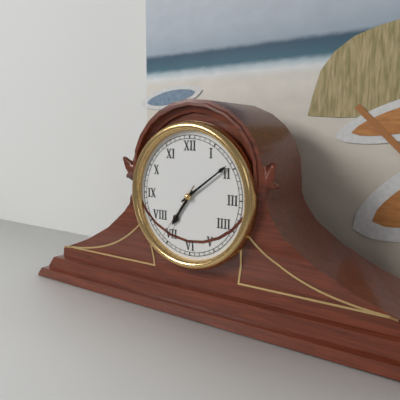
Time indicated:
**7:09:36**
